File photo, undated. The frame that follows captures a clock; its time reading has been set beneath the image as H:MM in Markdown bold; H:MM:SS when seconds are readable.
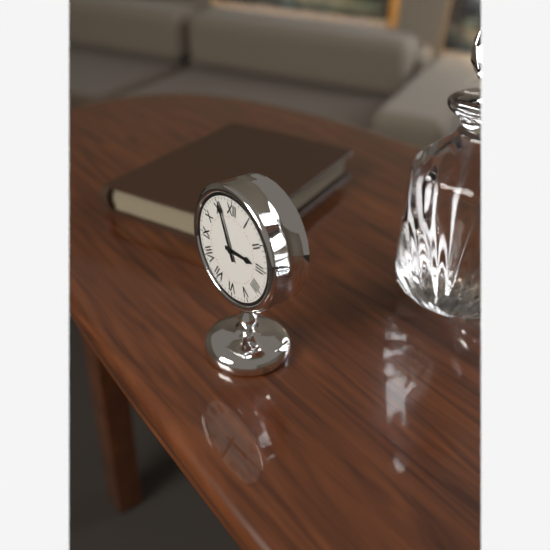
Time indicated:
**2:56**
